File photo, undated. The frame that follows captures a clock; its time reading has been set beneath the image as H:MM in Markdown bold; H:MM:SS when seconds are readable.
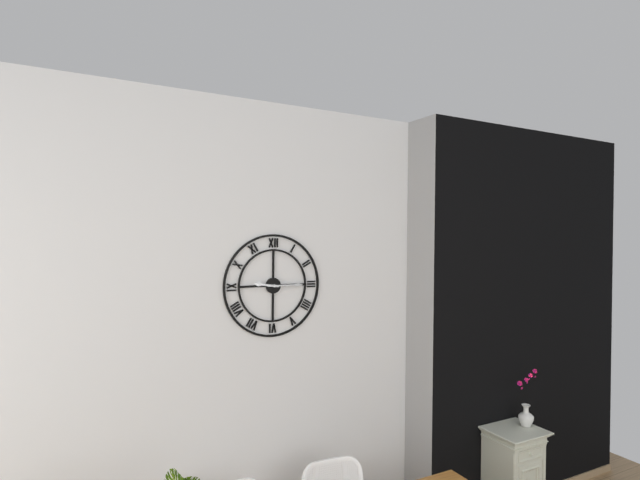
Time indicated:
**9:15**
